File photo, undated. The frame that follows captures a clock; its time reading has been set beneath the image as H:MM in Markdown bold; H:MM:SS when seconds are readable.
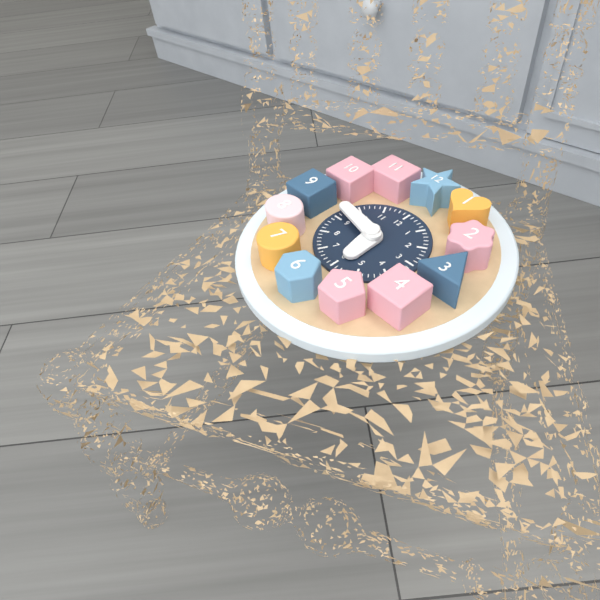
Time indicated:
**5:47**
